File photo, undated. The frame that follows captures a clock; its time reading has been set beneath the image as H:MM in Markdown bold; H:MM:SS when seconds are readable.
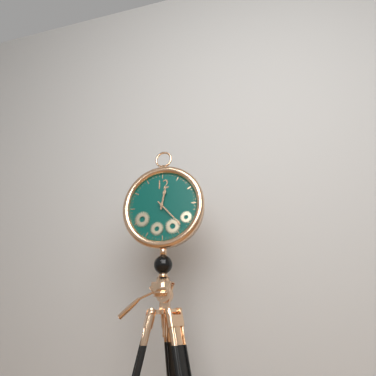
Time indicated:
**12:23**
